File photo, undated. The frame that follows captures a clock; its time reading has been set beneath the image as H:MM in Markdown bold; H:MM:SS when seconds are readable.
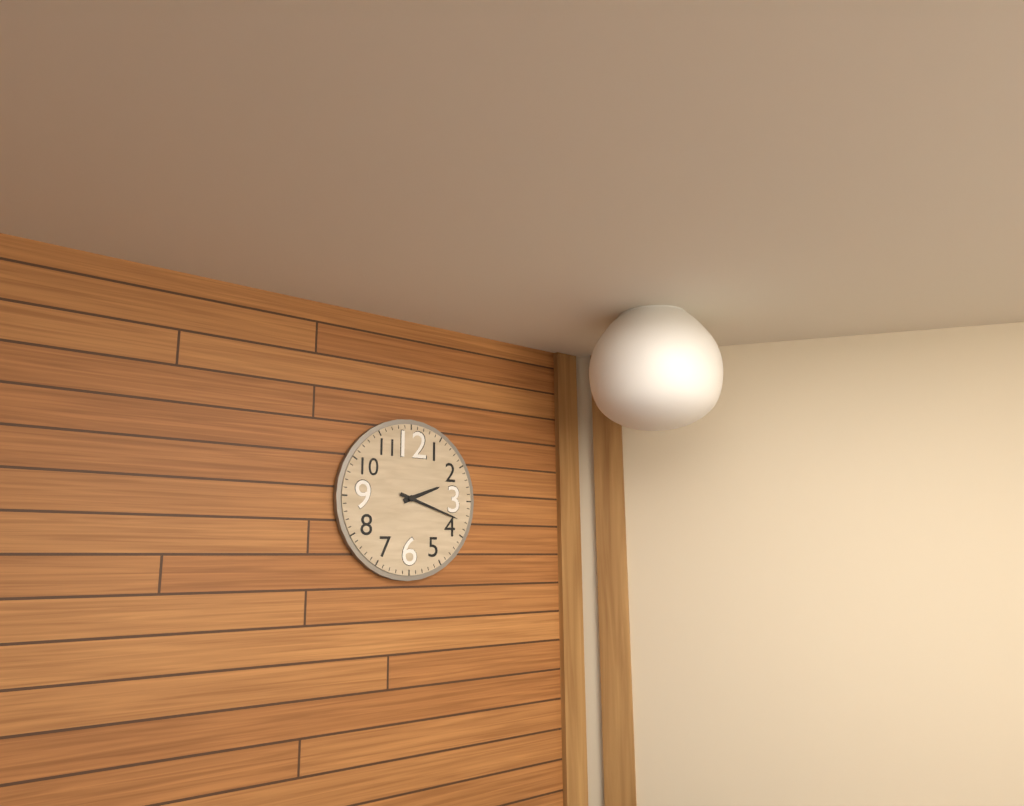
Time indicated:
**2:18**
